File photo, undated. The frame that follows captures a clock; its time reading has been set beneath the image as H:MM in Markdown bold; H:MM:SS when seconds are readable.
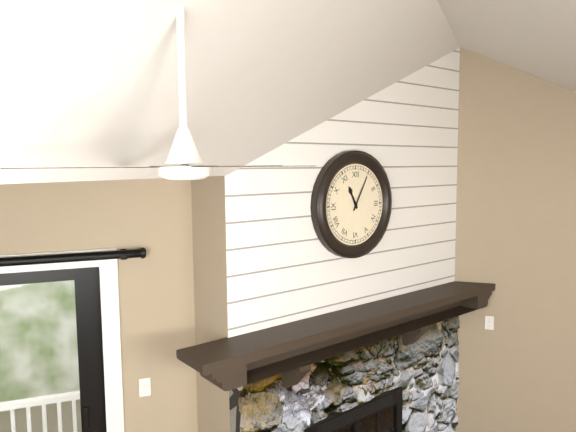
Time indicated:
**11:05**
